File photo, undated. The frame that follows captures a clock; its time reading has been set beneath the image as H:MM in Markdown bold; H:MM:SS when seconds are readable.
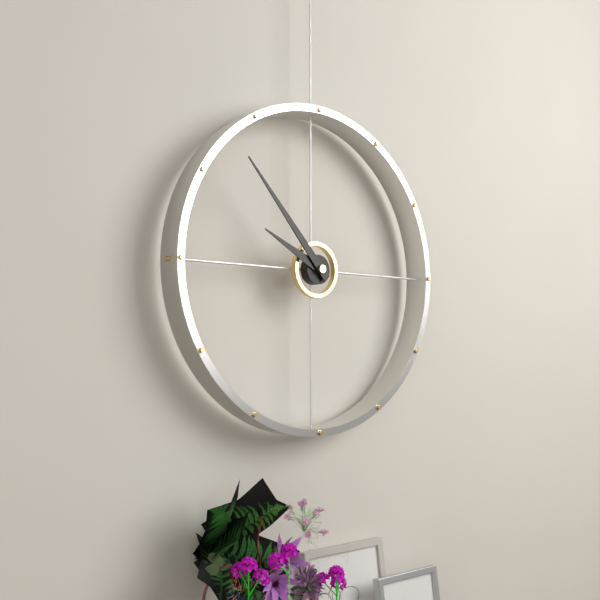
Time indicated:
**9:53**
